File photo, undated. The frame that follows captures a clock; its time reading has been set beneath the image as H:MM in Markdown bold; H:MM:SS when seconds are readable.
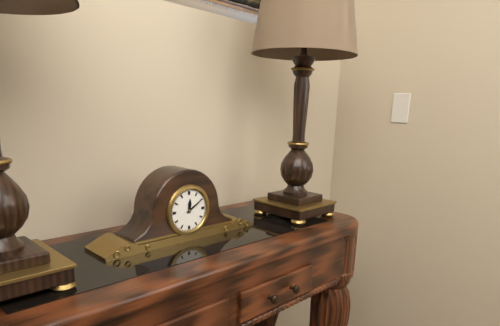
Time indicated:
**12:10**
